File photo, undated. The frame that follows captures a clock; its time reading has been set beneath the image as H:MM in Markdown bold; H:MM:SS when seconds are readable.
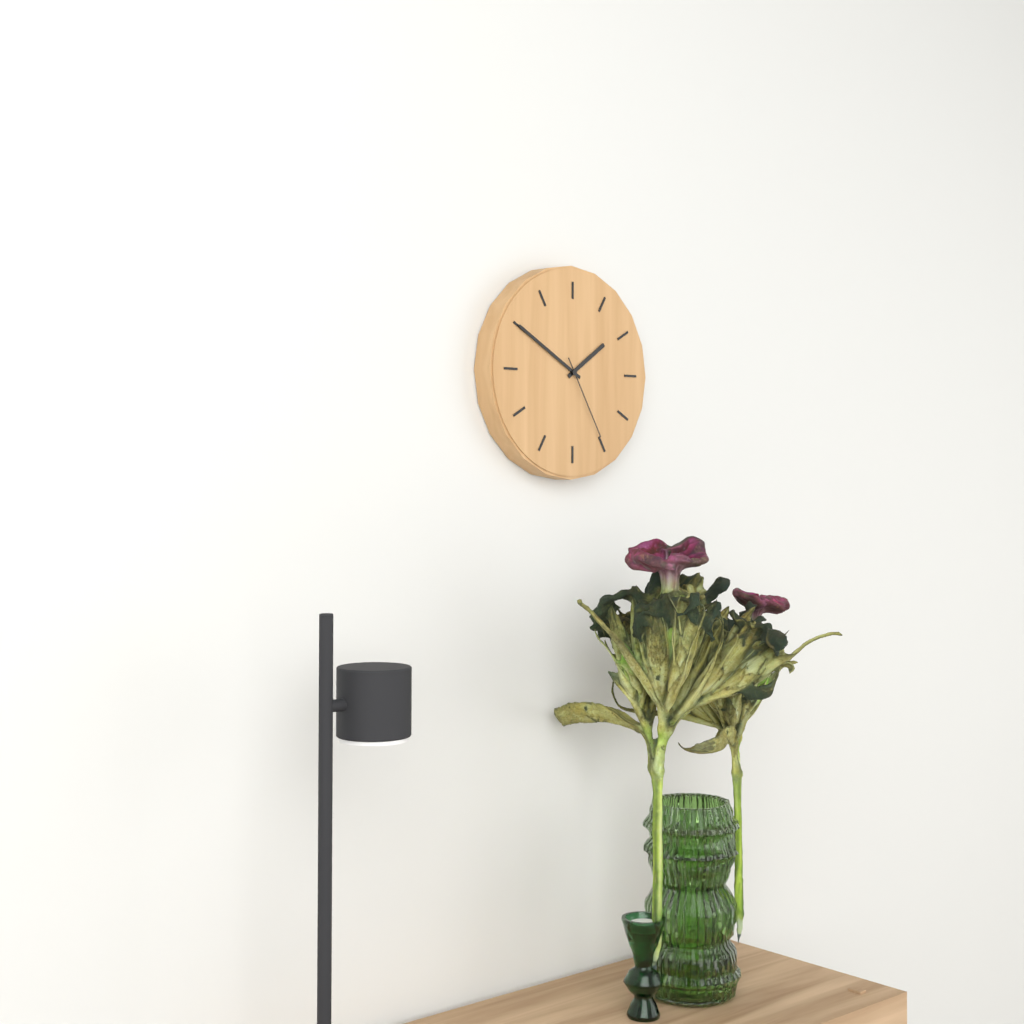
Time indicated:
**1:50:25**
